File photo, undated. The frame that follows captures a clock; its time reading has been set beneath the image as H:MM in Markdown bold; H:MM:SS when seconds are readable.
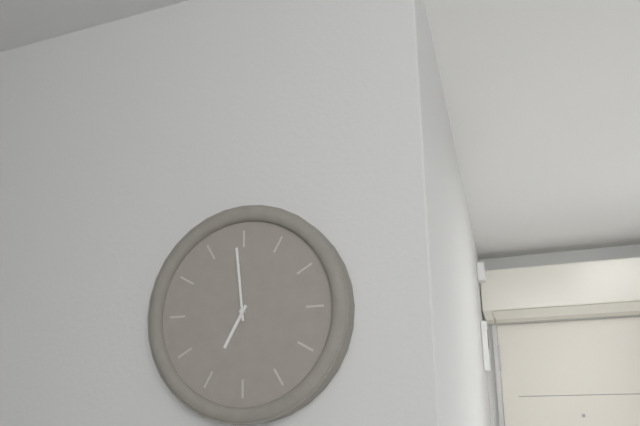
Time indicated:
**6:59**
